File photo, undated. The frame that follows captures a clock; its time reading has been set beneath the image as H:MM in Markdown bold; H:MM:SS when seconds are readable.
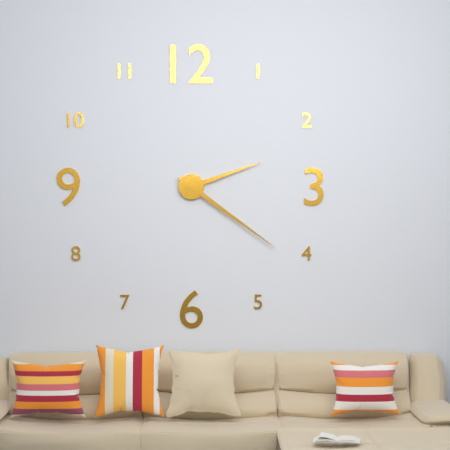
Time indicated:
**2:21**
